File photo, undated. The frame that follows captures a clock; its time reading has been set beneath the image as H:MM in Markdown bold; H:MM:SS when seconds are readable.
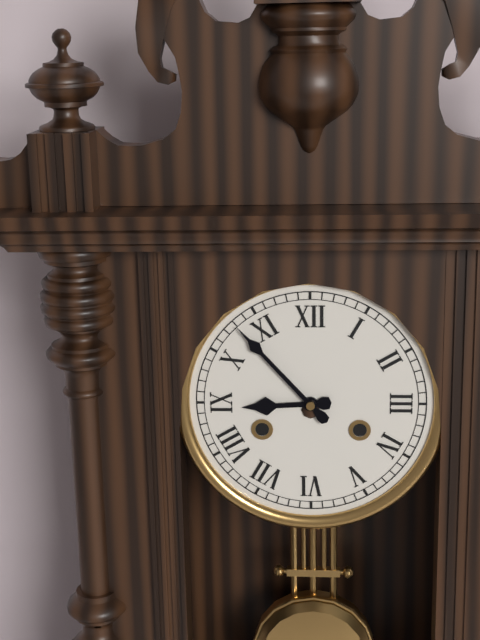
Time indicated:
**8:53**
